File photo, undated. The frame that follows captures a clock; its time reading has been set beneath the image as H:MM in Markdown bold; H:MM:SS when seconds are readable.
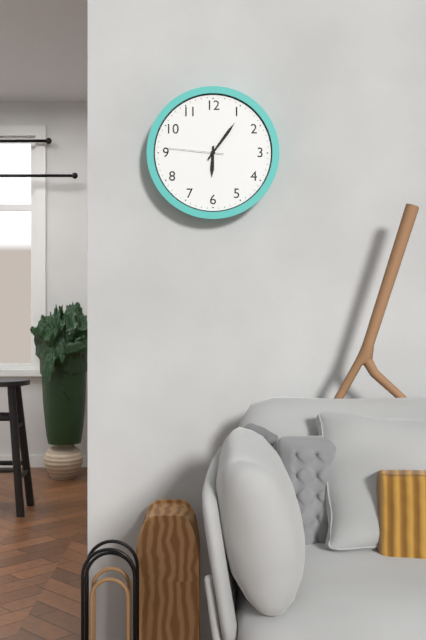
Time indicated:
**6:06:46**
